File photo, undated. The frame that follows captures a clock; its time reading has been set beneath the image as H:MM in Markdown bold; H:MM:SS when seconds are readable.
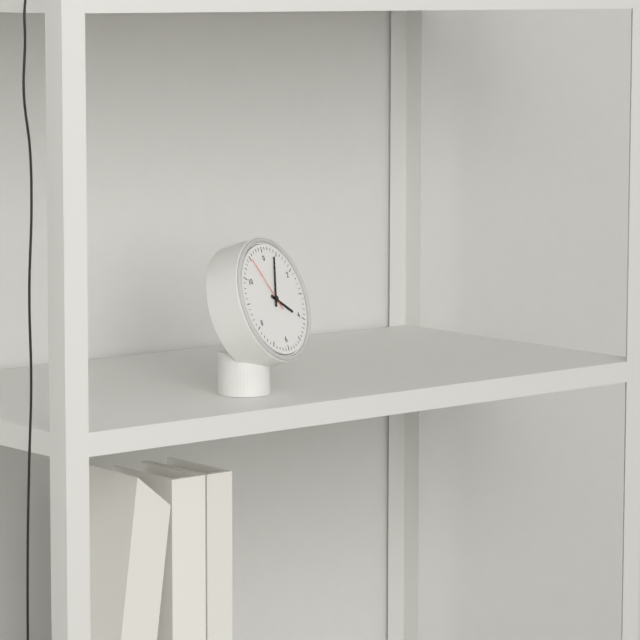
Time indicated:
**4:04:55**
